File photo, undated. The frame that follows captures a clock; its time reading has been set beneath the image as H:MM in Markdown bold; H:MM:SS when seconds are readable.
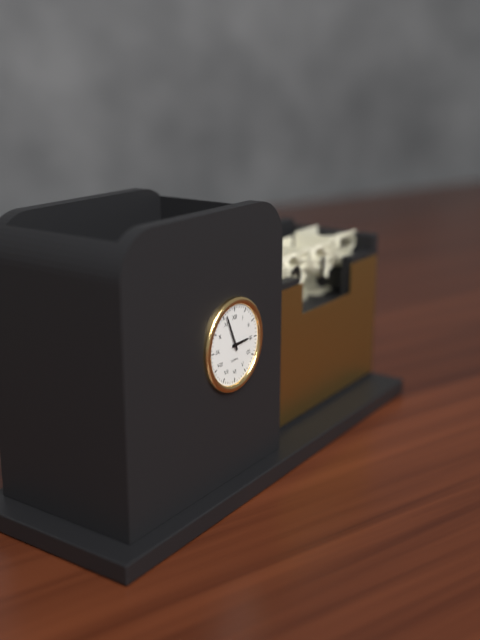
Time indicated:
**2:56**
